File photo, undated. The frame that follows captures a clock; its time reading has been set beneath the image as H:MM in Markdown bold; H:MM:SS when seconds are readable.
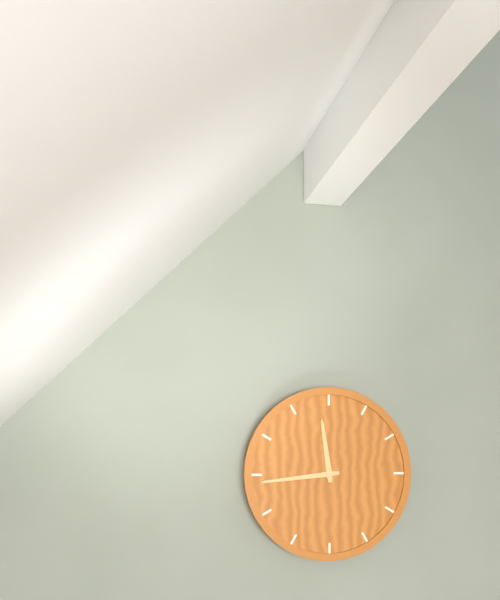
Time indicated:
**11:44**
